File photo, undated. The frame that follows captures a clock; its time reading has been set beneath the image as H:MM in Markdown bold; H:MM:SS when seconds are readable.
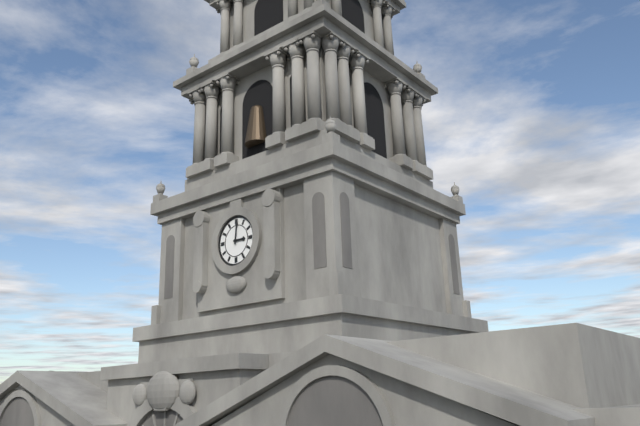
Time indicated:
**3:01**
